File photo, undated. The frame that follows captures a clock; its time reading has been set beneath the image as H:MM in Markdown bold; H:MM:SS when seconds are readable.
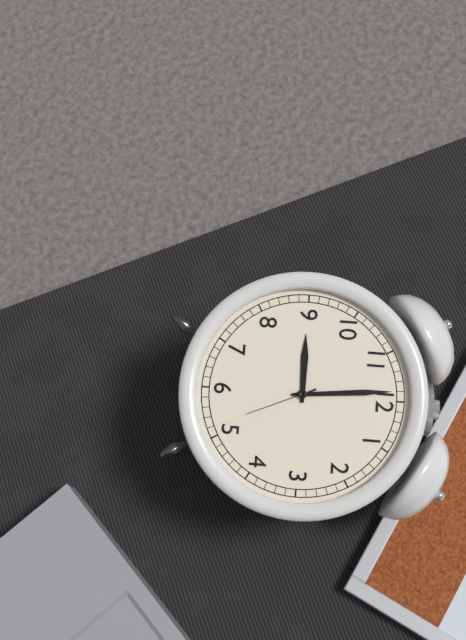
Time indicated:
**8:59:26**
